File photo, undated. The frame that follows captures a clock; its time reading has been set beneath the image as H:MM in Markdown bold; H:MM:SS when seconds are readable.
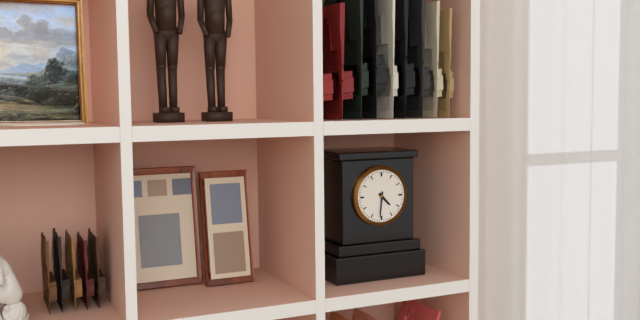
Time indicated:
**4:31**
